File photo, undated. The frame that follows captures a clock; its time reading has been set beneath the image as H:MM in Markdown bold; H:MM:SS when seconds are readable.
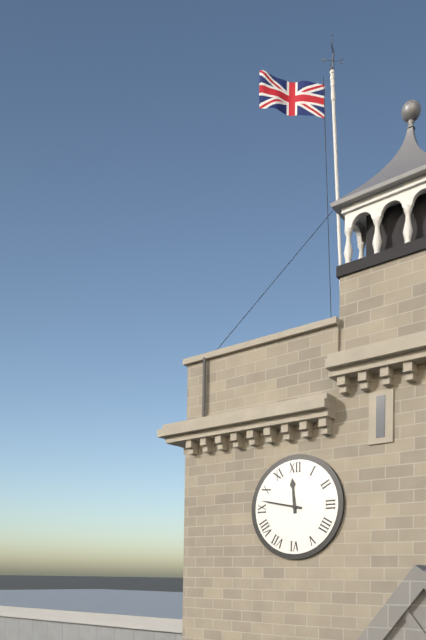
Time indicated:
**11:47**
